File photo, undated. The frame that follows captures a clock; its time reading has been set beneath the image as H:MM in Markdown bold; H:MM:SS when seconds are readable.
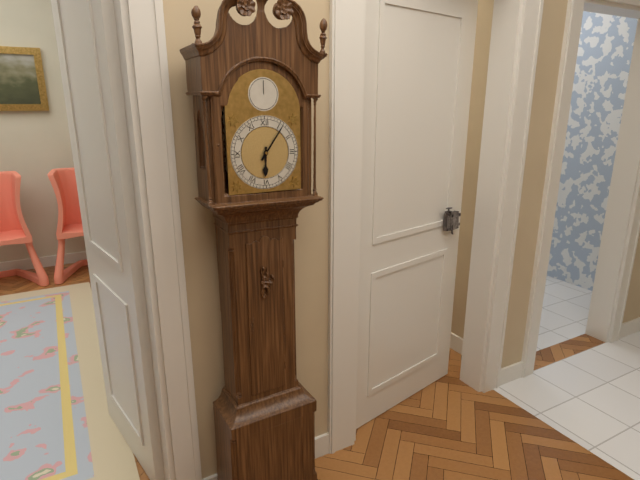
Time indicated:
**6:06**
